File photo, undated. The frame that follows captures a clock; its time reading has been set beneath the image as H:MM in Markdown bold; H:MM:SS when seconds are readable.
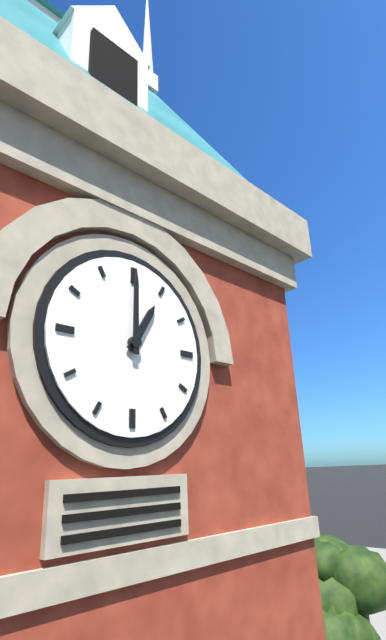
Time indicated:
**1:00**
